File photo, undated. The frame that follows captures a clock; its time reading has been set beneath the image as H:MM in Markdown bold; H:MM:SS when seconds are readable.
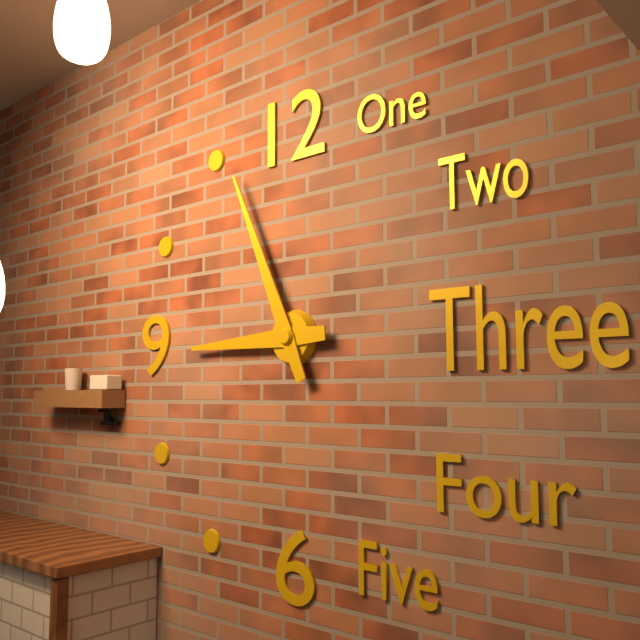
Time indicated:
**8:56**
